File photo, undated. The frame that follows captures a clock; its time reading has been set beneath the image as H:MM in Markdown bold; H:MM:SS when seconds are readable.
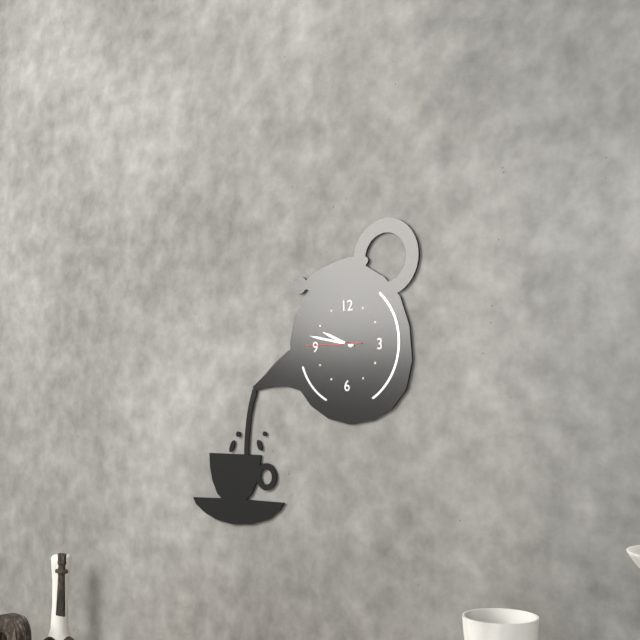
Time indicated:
**9:47:45**
